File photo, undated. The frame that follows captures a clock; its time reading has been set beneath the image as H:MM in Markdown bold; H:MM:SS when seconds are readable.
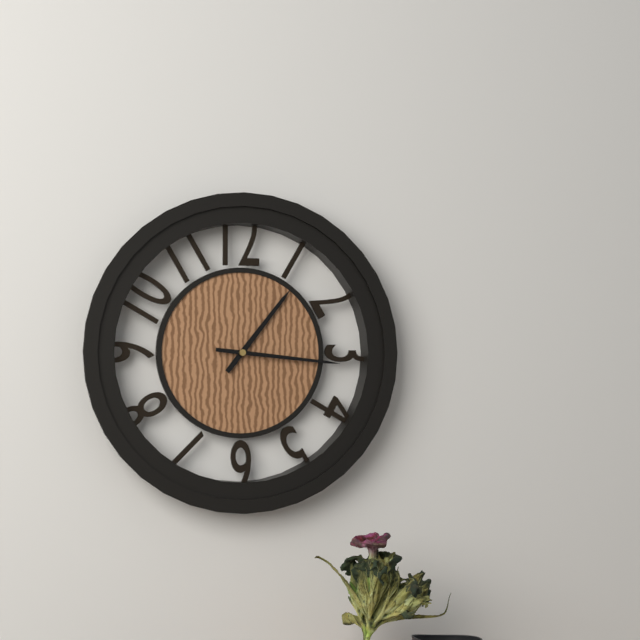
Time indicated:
**1:16**
